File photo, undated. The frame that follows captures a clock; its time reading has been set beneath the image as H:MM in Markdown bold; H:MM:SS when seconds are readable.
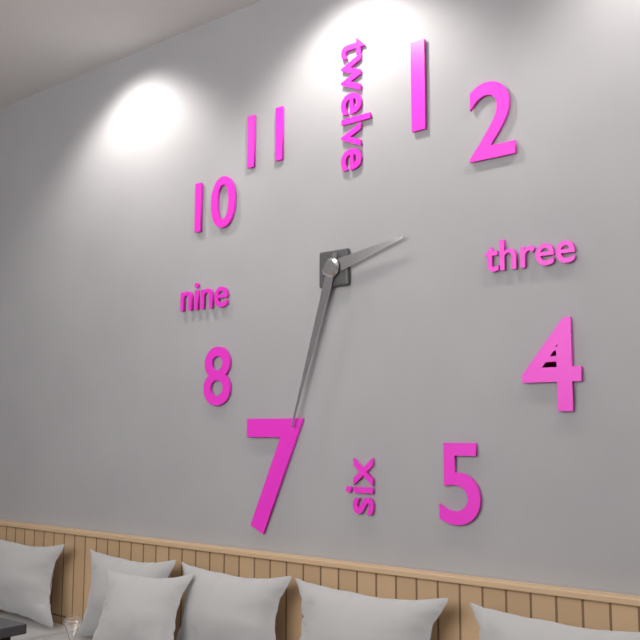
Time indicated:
**2:33**
